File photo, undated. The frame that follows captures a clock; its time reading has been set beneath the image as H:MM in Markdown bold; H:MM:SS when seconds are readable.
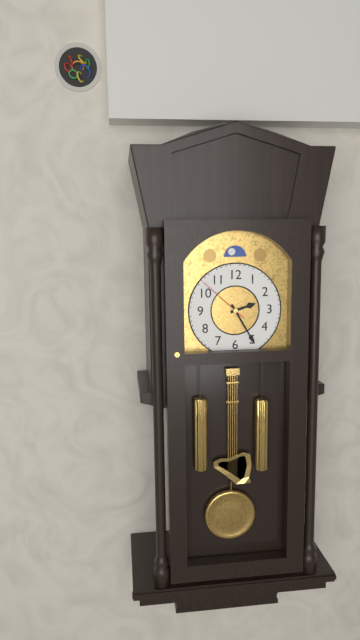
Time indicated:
**2:25:52**
